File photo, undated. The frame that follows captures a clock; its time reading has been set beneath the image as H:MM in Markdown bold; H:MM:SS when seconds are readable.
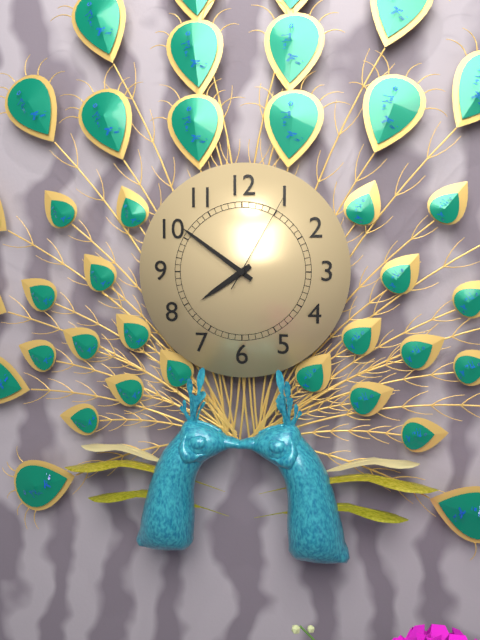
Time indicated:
**7:51:05**
